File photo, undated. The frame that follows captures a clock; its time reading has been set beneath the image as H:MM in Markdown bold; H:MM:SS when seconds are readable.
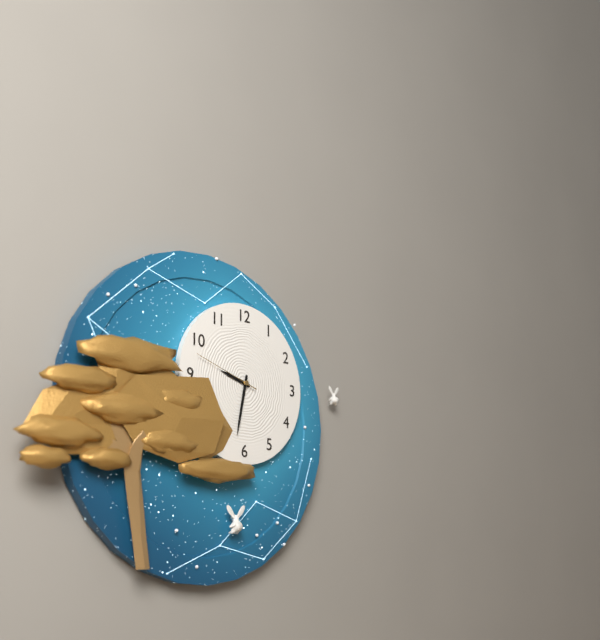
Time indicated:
**9:32:48**
